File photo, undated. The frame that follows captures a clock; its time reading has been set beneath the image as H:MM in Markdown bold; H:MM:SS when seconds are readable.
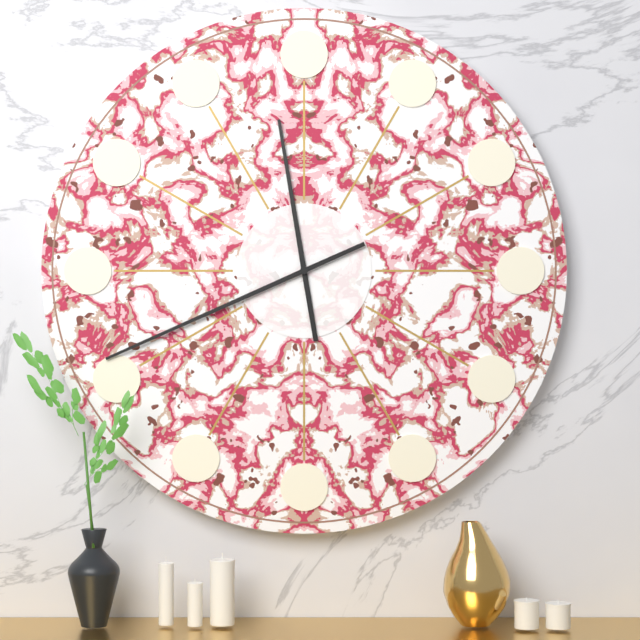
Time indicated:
**11:41**
